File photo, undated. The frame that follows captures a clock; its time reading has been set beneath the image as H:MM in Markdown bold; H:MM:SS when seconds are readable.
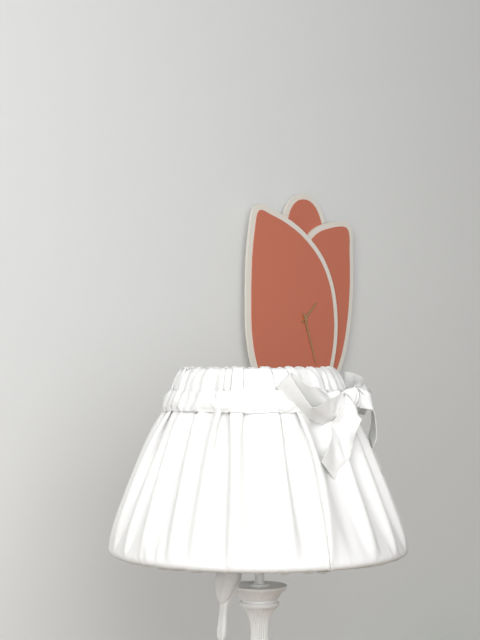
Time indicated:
**1:27**
